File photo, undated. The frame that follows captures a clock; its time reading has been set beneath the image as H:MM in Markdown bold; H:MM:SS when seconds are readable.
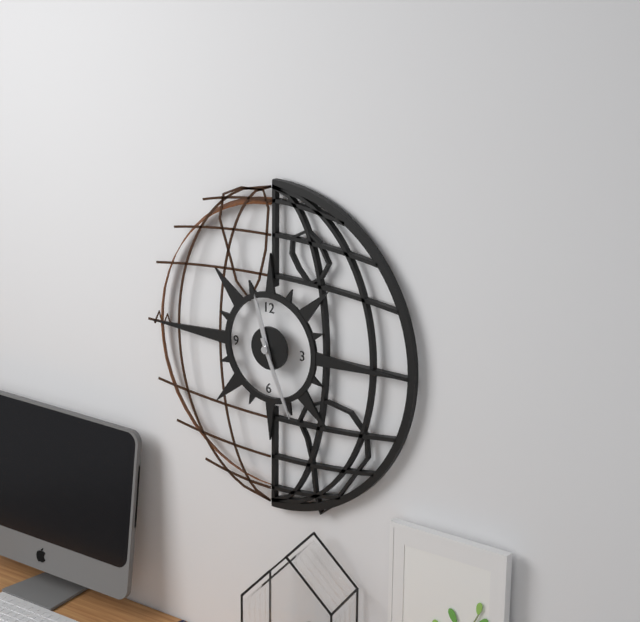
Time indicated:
**11:26**
